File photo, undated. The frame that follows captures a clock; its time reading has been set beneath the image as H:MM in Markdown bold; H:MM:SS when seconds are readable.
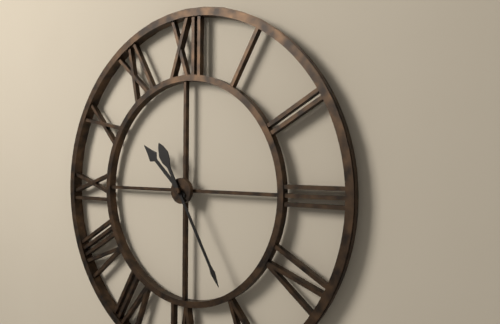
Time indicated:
**10:25**
